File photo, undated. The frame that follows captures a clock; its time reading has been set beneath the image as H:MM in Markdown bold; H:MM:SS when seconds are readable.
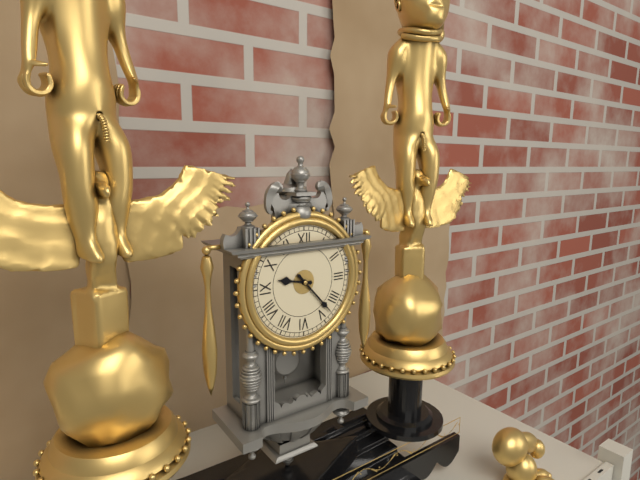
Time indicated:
**9:23**
